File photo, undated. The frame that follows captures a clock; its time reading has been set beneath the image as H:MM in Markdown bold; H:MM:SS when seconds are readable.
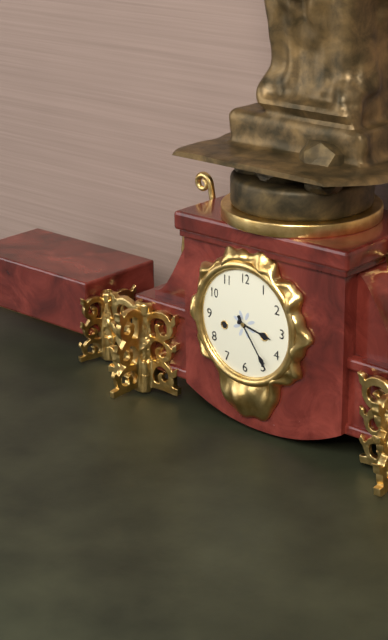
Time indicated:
**3:24**
